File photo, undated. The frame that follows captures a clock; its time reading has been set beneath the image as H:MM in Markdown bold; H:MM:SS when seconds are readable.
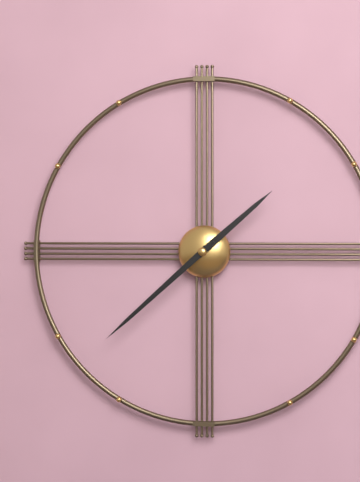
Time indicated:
**1:38**
